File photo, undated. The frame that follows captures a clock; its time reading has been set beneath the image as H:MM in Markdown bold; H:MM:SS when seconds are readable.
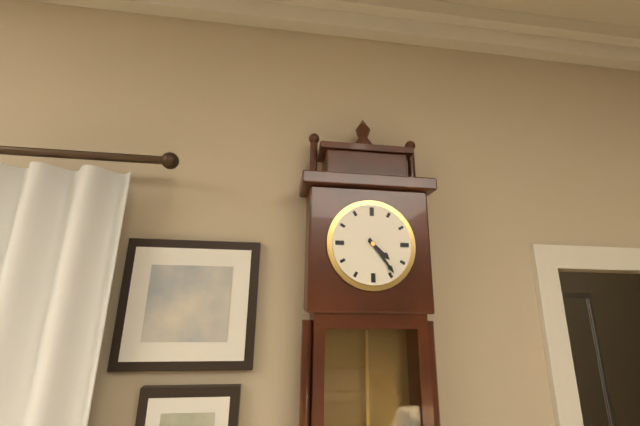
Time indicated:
**4:24**
